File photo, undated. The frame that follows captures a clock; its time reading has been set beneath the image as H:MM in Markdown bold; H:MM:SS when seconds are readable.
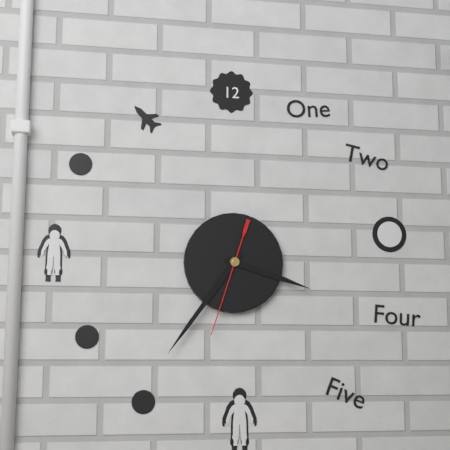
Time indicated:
**3:36:33**
